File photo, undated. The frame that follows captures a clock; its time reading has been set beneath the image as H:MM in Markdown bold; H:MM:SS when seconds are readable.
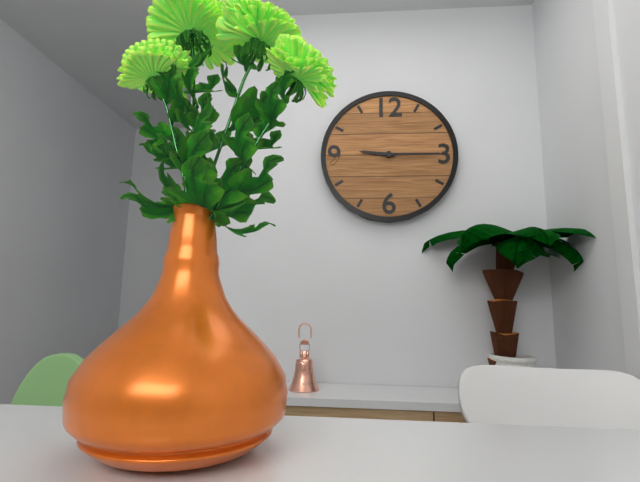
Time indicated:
**9:15**
